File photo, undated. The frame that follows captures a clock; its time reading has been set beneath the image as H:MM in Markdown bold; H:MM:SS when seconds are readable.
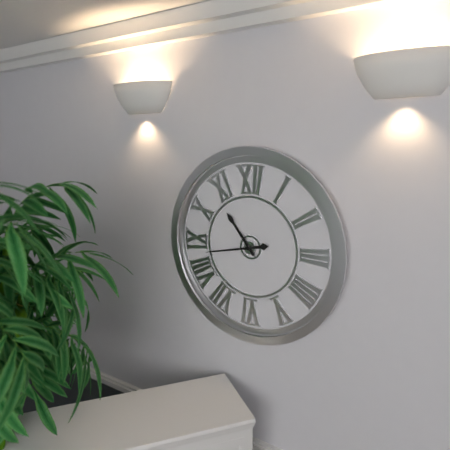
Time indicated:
**10:43**
